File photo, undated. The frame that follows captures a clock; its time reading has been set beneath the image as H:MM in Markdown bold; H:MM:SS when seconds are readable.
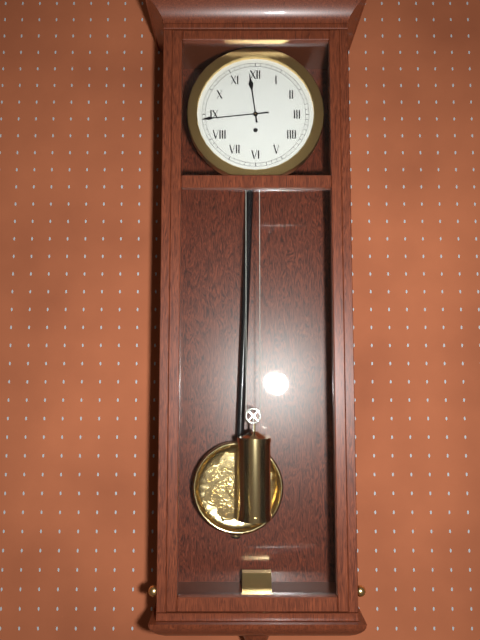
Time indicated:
**11:44**
